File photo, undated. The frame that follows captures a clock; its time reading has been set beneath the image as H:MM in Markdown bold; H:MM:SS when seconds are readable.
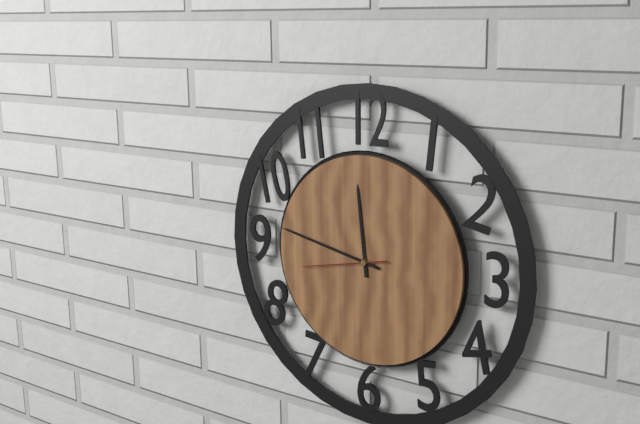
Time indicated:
**11:47:43**
